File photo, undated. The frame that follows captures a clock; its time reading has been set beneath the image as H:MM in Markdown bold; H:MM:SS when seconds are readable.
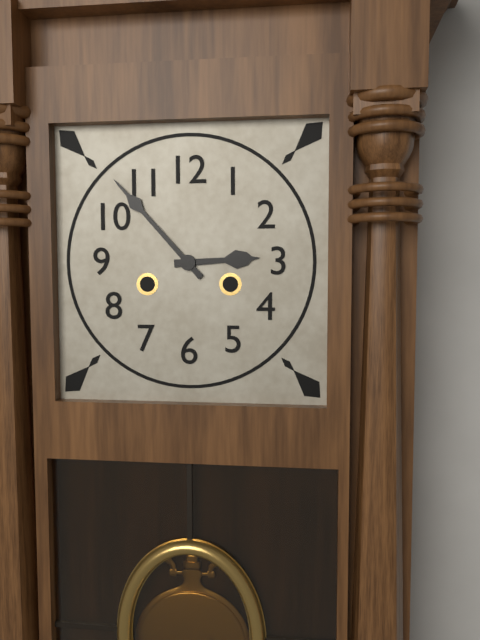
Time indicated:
**2:53**
